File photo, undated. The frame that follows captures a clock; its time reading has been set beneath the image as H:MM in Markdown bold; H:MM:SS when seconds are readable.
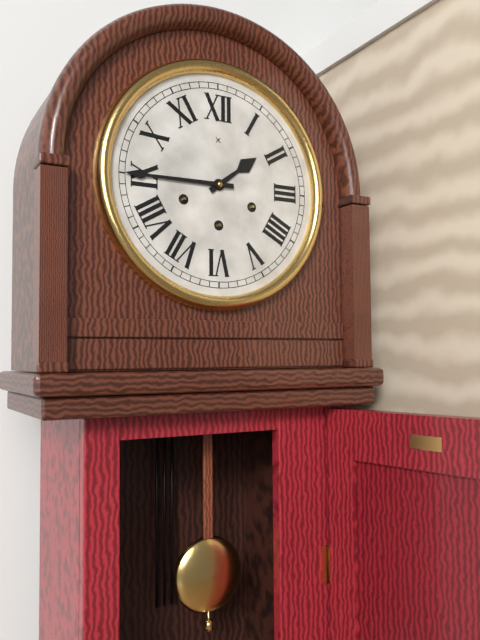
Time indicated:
**1:45**
